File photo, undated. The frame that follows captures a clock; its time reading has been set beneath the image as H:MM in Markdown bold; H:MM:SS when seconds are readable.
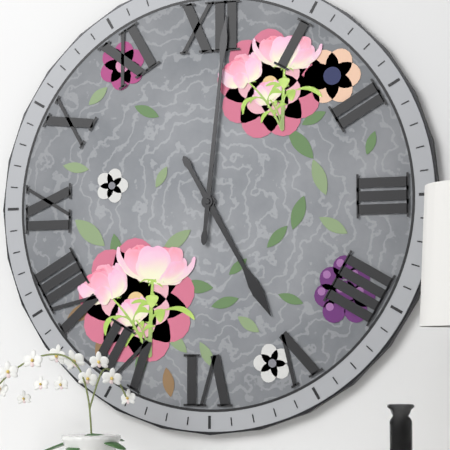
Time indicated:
**5:01**
